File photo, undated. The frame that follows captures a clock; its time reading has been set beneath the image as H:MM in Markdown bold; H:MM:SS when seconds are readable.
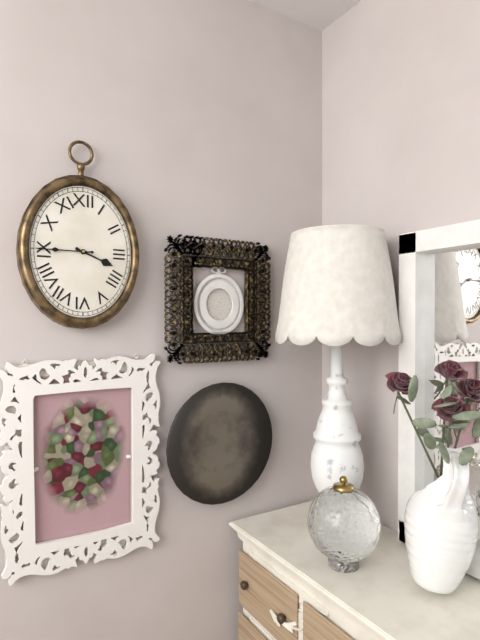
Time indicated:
**3:45**
